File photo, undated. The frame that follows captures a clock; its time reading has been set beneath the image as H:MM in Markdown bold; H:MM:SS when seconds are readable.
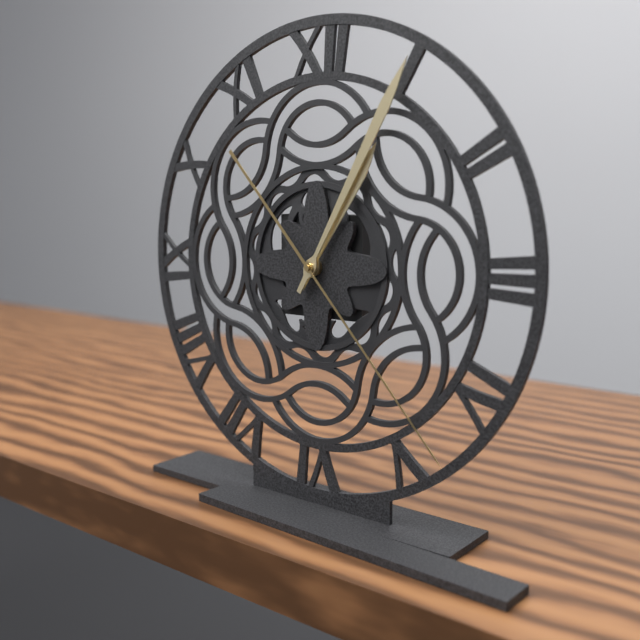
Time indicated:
**1:05:23**
